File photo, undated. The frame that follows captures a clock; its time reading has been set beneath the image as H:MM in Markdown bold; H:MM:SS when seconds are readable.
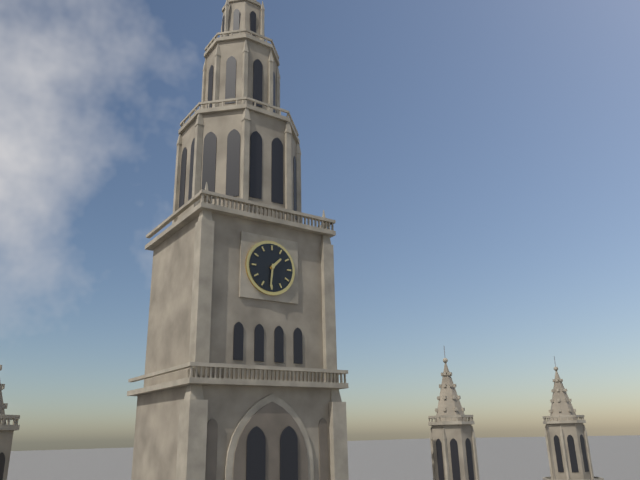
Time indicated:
**1:31**
